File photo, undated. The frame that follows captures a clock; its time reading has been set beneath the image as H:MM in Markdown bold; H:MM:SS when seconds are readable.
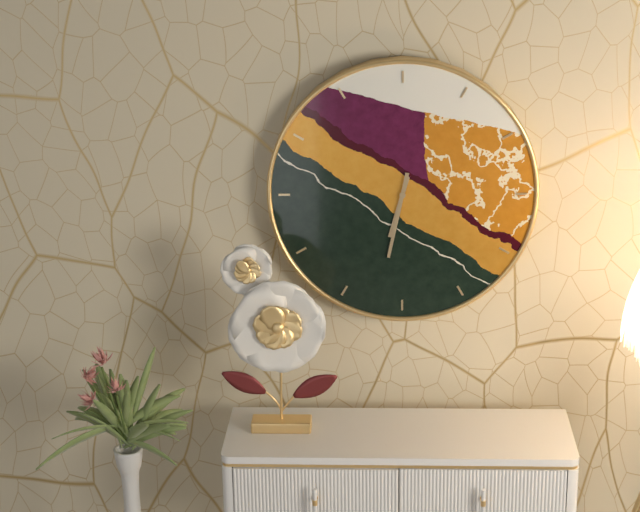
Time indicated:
**6:32**
